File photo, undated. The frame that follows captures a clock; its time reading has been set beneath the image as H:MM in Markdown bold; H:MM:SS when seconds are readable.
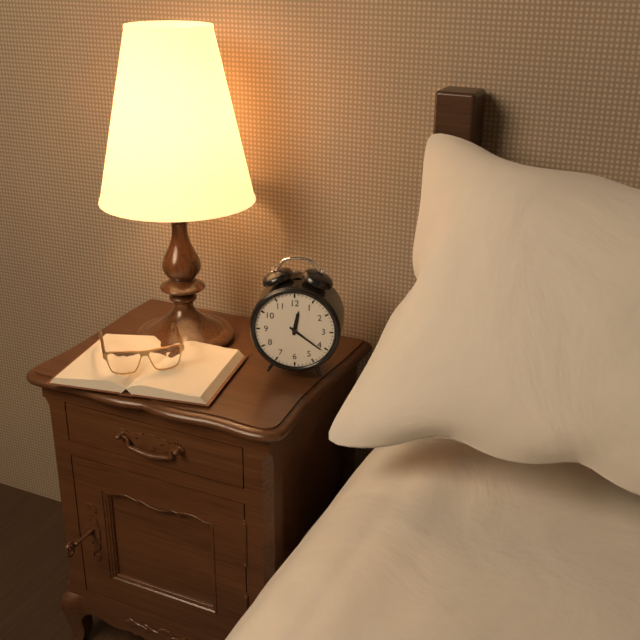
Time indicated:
**12:21**
